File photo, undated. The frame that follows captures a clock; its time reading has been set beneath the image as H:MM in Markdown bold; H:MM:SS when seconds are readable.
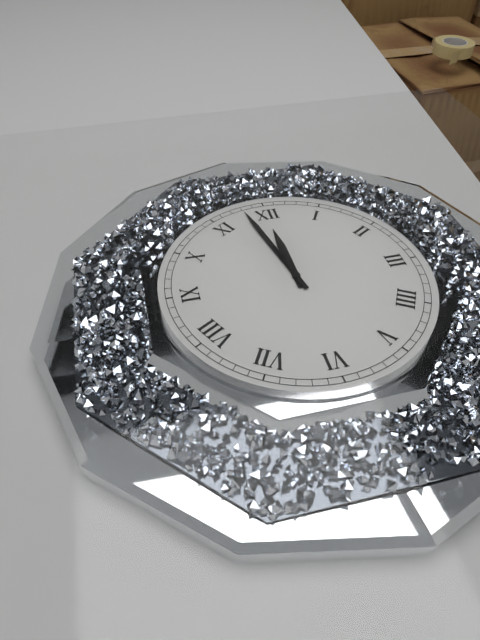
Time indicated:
**11:58**
